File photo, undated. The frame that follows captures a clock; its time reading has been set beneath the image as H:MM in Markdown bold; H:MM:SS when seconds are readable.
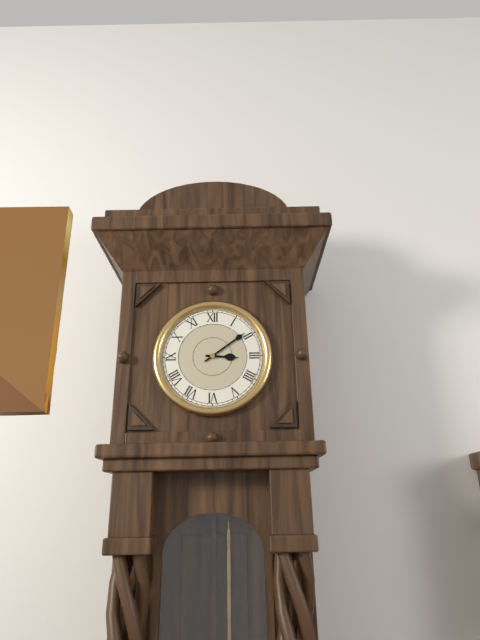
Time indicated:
**3:09**
